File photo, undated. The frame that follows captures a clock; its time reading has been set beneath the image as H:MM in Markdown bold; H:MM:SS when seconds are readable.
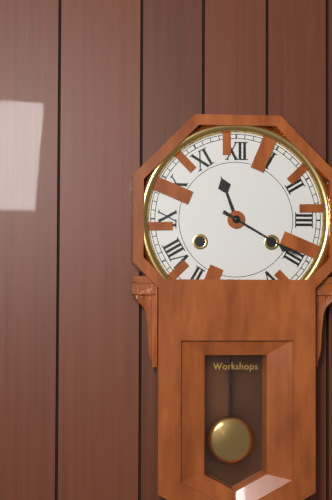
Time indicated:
**11:20**
